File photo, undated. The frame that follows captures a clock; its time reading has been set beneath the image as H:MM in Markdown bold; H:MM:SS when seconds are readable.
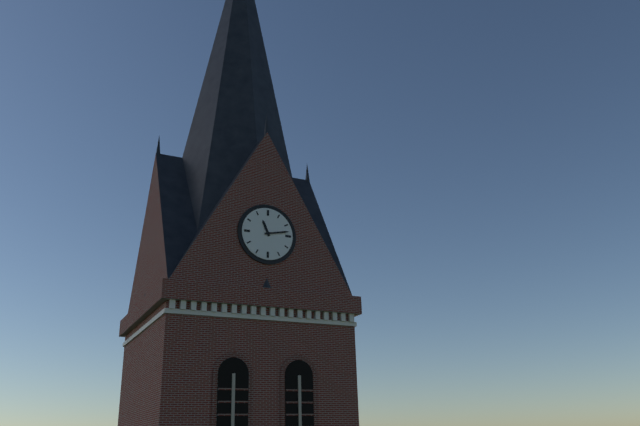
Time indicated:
**11:13**
